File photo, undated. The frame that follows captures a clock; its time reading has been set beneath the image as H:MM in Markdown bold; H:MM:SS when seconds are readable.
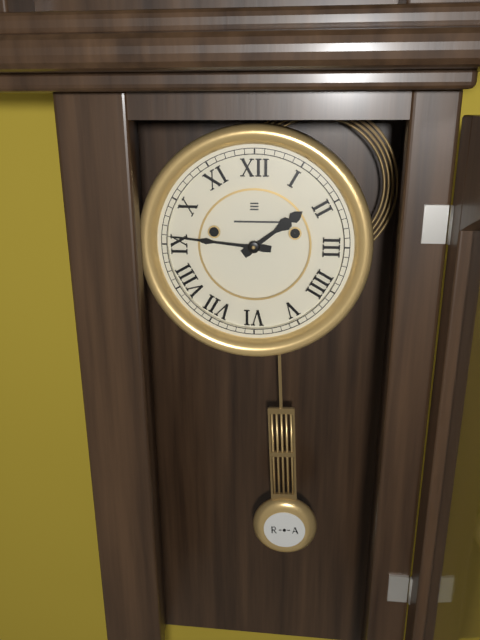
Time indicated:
**1:46**
